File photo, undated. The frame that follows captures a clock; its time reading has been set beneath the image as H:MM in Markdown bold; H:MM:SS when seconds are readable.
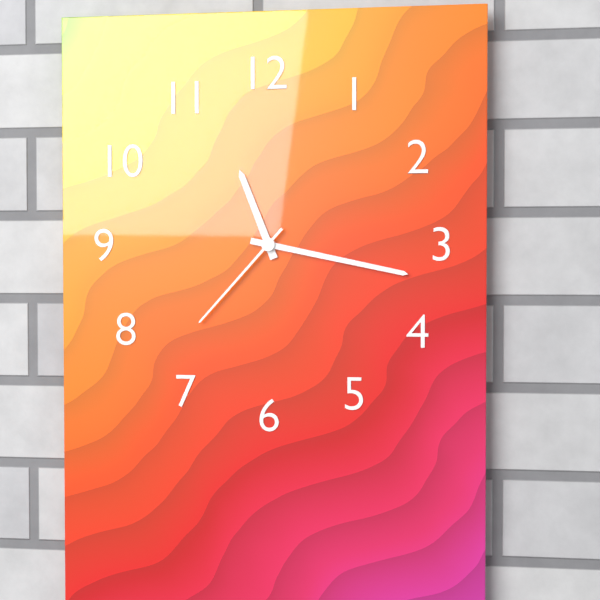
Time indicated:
**11:17:37**
